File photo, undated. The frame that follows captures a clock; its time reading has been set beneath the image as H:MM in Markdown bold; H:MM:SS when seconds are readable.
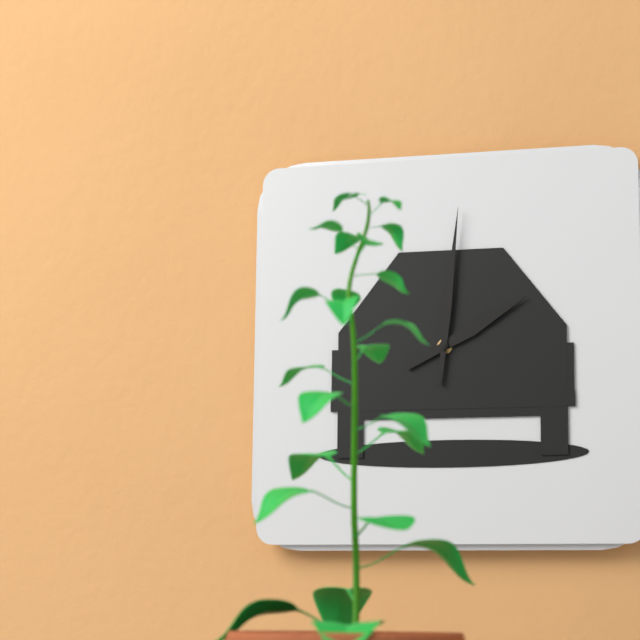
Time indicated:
**2:01**
